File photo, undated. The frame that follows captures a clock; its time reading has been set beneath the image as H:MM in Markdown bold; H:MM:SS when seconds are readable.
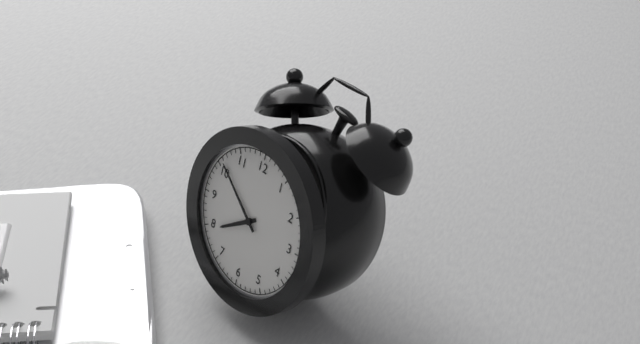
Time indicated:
**7:51**
